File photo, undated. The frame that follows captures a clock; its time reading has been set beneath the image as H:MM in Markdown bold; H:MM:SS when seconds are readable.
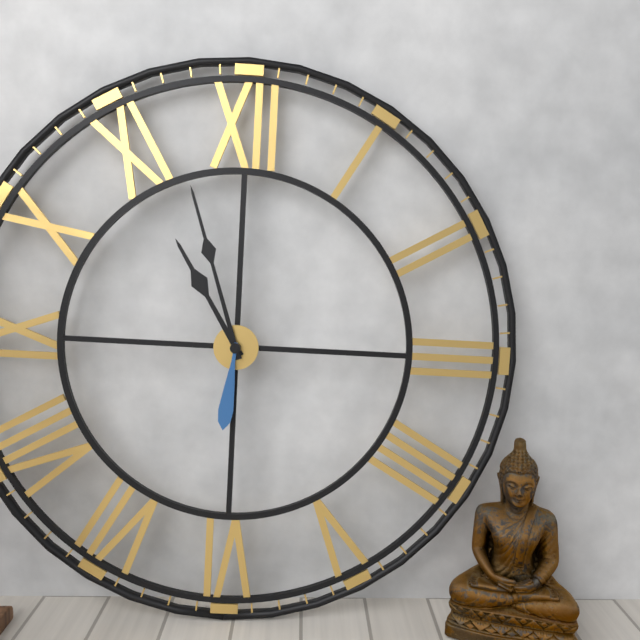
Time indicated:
**10:57:31**
